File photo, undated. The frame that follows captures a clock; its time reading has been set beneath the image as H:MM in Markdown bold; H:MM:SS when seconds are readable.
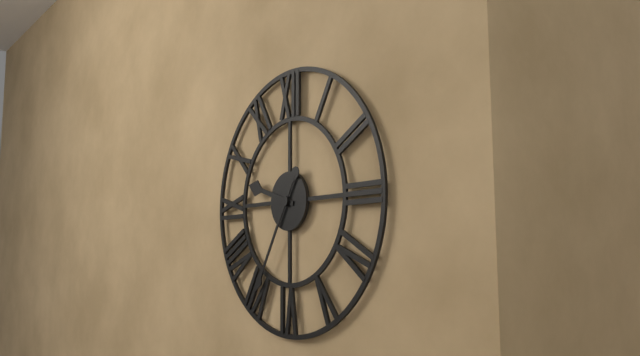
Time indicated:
**9:35**
